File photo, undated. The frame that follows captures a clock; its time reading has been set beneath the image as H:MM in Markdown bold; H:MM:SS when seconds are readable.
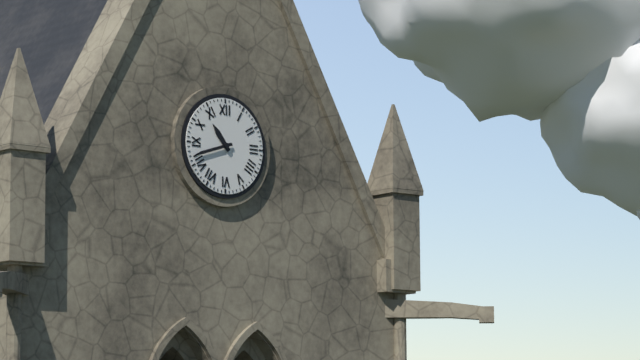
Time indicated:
**10:42**
